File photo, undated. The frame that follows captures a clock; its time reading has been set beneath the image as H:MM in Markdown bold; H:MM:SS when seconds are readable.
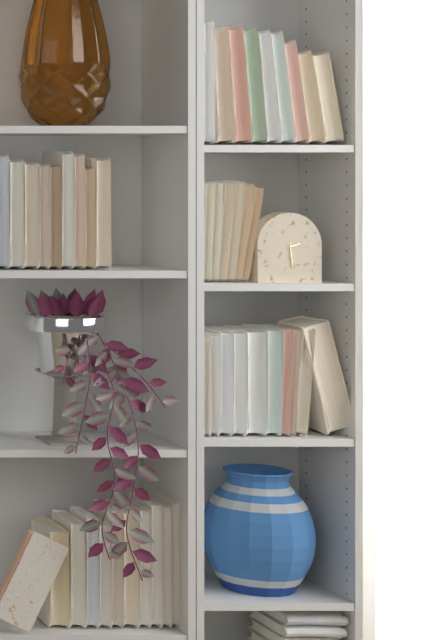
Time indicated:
**2:29**
